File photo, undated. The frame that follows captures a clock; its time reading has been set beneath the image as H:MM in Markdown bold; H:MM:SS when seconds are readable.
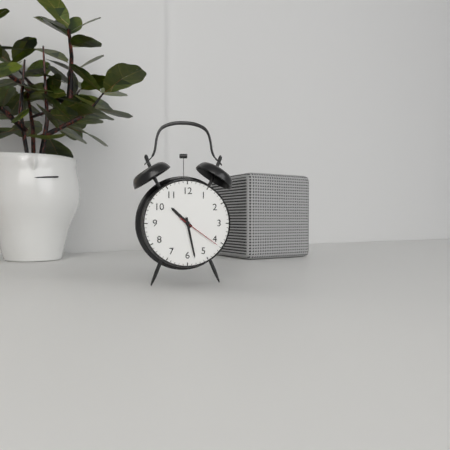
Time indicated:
**10:28**
